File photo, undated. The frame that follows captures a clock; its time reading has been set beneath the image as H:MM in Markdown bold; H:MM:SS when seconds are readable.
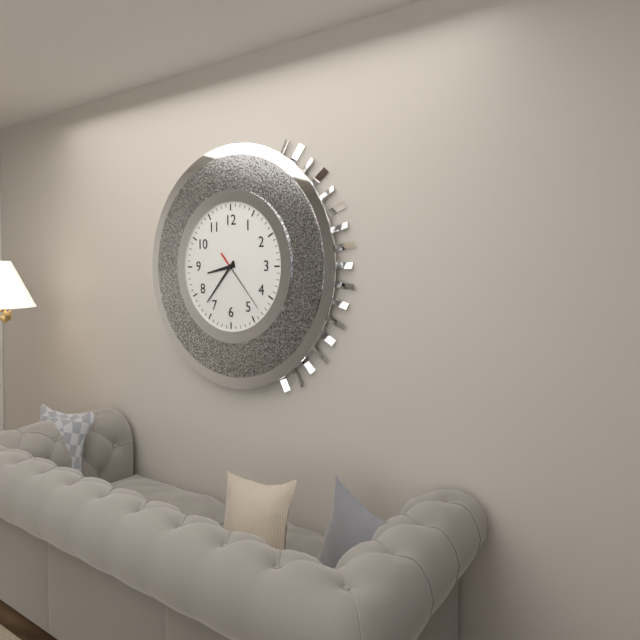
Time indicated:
**8:37:23**
